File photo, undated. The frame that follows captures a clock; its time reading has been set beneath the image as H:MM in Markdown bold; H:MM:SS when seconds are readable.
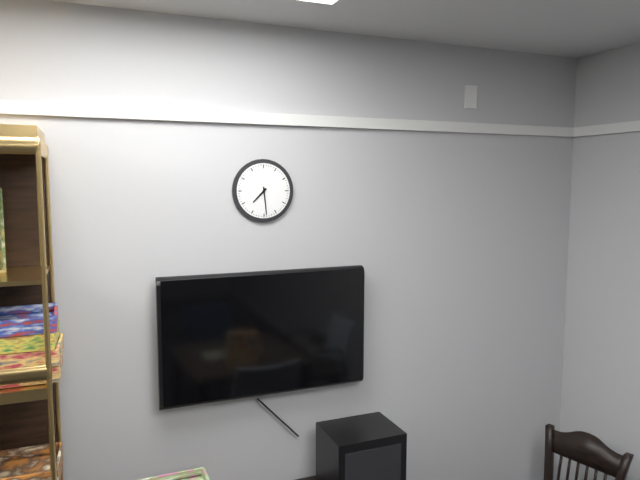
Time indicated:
**7:29**
